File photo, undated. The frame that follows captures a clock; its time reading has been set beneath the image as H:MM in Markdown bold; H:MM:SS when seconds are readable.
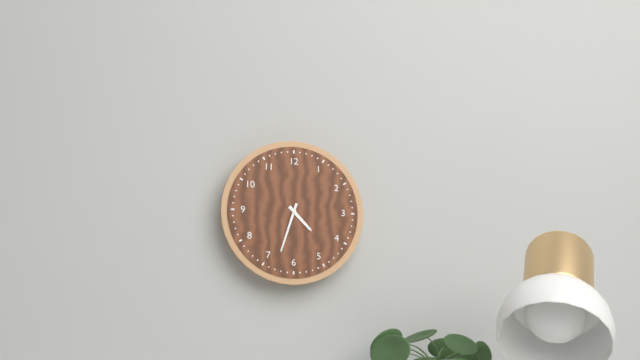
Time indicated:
**4:33**
